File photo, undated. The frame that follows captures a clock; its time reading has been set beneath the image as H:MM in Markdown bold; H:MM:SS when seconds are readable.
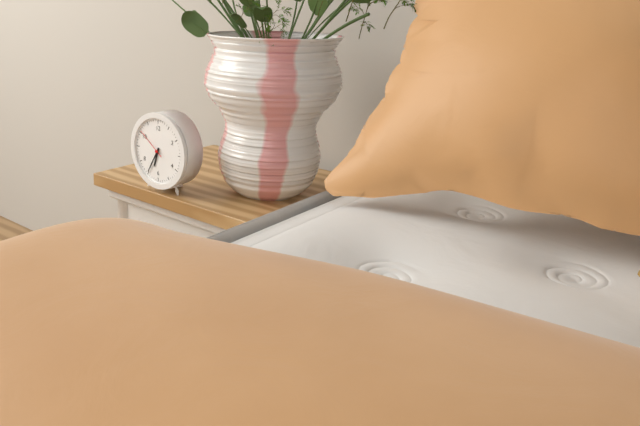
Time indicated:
**6:35**
